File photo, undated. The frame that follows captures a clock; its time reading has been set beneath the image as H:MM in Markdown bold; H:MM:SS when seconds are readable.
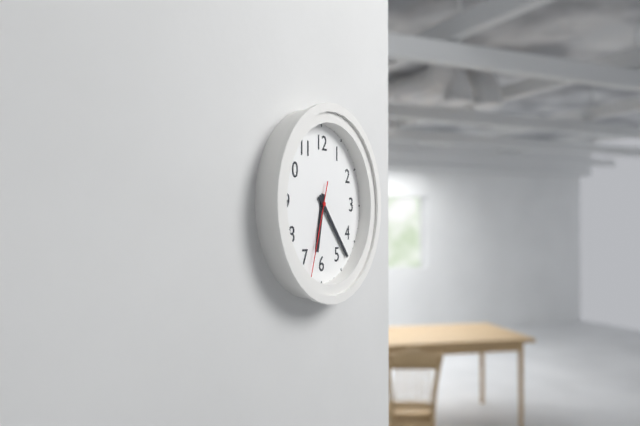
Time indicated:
**6:23:33**
